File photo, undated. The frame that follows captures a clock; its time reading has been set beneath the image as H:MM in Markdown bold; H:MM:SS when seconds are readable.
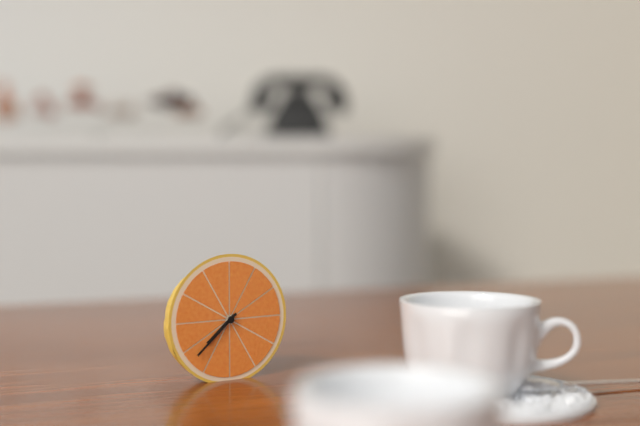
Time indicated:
**7:38**
